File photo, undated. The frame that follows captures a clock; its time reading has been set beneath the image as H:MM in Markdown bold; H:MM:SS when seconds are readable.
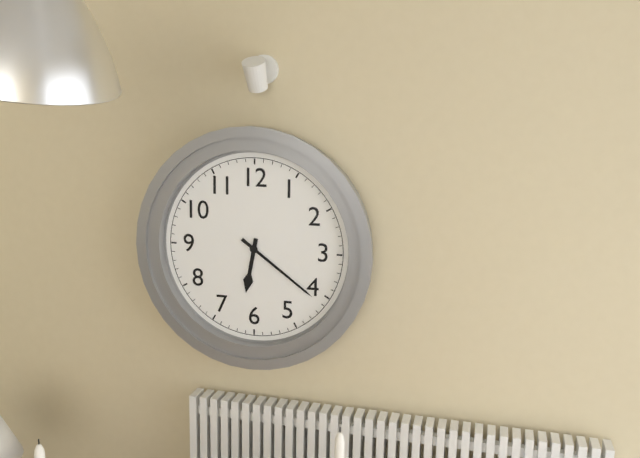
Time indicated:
**6:21**
